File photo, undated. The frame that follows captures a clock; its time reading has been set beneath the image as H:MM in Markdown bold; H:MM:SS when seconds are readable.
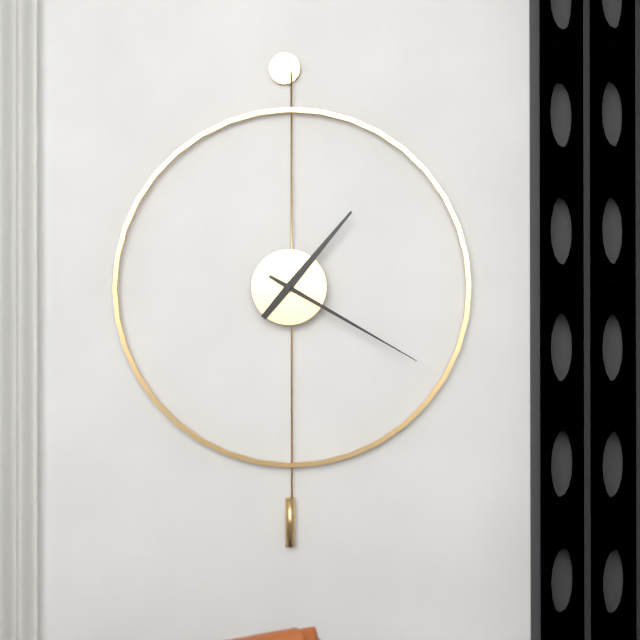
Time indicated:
**1:20**
